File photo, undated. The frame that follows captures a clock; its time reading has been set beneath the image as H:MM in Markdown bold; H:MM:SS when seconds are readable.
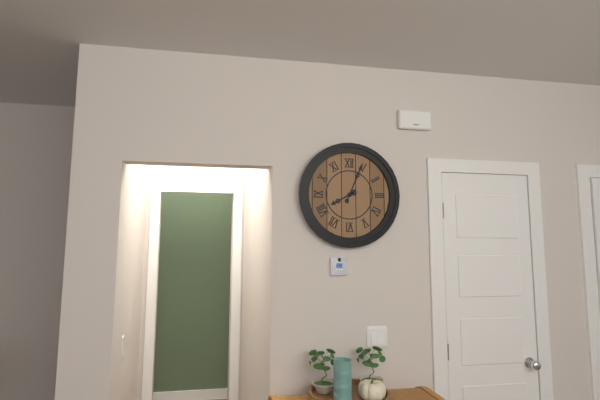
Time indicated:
**8:04**
